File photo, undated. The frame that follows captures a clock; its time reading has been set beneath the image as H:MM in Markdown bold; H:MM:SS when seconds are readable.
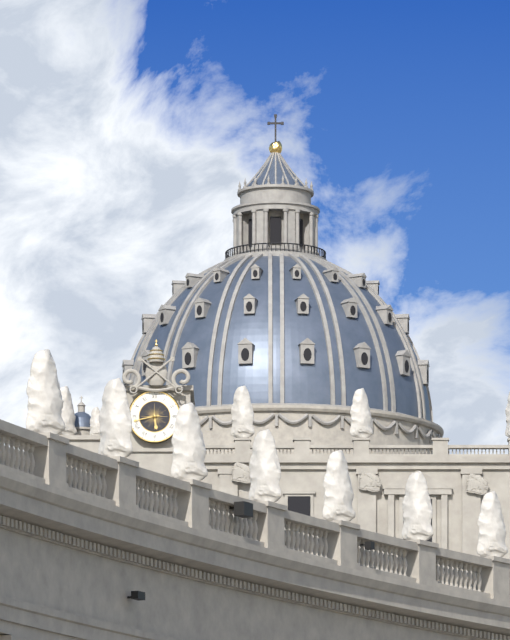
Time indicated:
**5:43**
